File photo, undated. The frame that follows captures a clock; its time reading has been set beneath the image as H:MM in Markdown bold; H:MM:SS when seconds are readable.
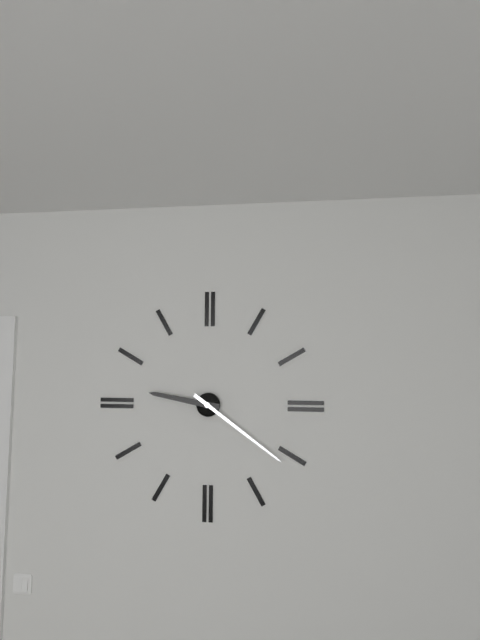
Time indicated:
**9:21**
